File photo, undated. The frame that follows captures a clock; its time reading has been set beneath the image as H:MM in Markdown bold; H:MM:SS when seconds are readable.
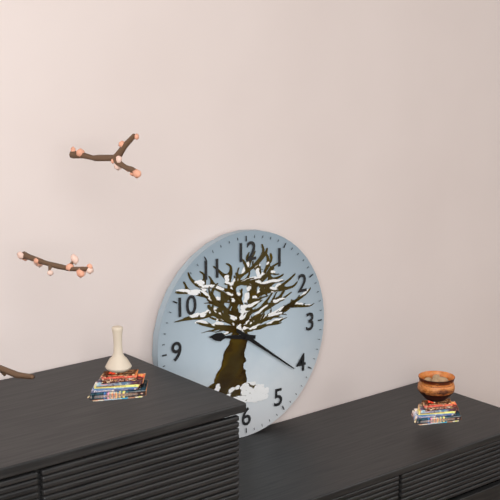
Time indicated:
**9:21**
